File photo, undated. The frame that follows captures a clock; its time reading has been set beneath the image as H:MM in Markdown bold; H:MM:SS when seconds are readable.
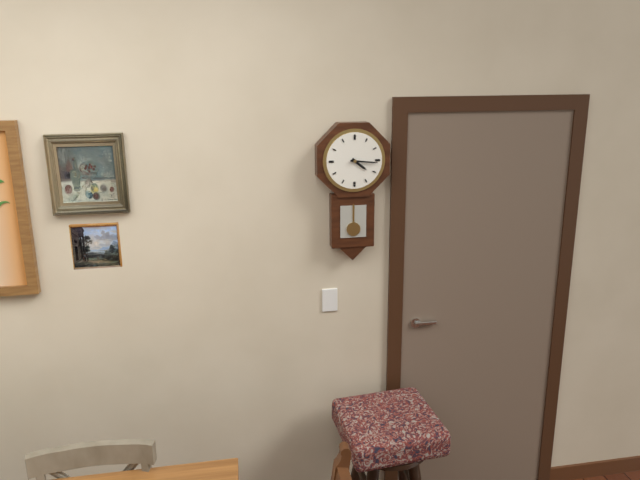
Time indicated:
**4:16**
